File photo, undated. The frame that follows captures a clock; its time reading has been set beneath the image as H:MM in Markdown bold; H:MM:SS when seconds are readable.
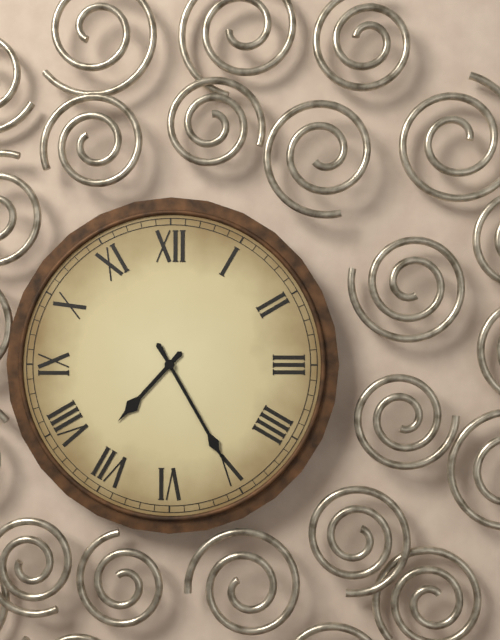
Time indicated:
**7:25**
